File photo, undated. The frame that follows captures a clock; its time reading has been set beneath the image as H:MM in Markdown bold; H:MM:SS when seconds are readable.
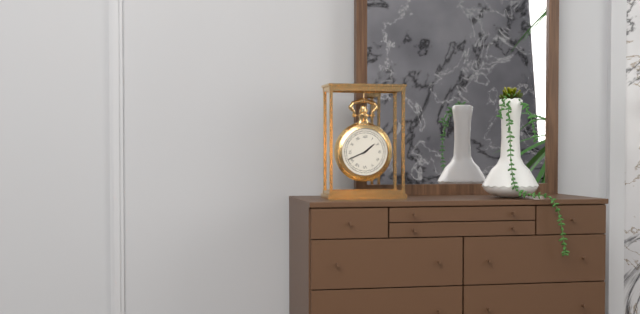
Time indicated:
**1:41**
